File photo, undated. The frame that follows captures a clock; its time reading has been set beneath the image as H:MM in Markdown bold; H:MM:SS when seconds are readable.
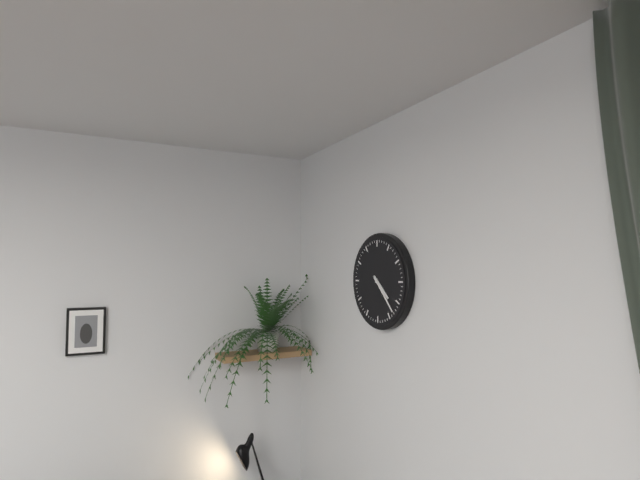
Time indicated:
**4:23**
